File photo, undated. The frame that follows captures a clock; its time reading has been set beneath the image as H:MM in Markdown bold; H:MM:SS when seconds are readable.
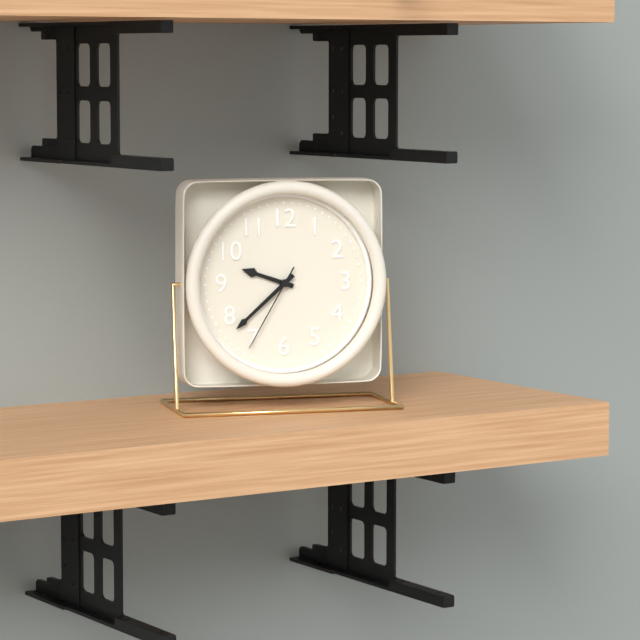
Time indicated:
**9:38:35**
